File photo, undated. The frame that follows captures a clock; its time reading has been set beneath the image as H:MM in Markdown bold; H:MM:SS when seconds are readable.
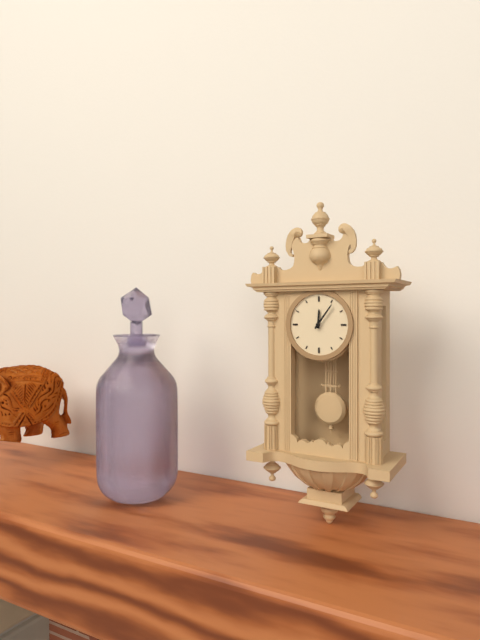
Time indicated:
**12:06**
